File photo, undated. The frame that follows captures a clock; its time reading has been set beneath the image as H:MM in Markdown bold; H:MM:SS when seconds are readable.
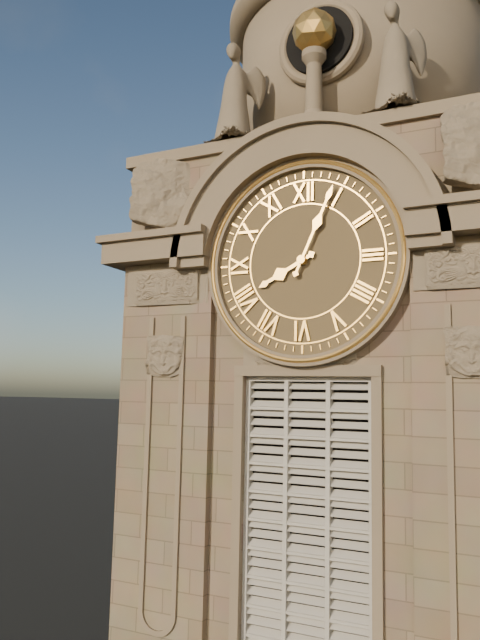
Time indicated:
**8:04**
